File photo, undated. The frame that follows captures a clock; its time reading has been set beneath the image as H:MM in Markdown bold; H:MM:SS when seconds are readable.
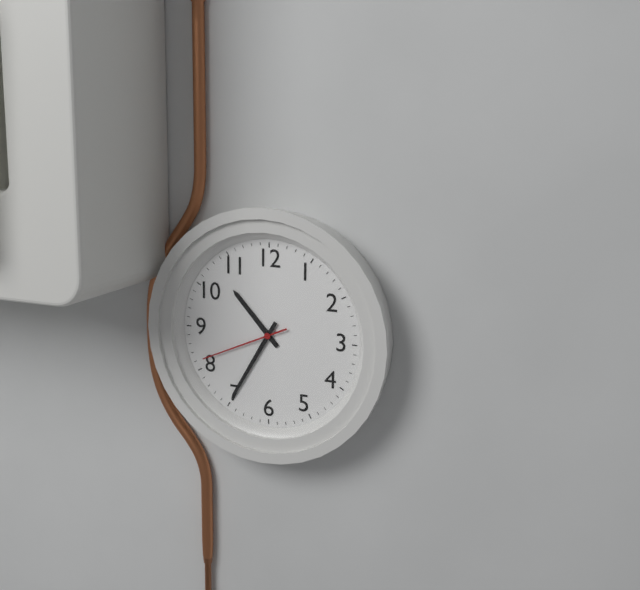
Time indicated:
**10:35:41**
